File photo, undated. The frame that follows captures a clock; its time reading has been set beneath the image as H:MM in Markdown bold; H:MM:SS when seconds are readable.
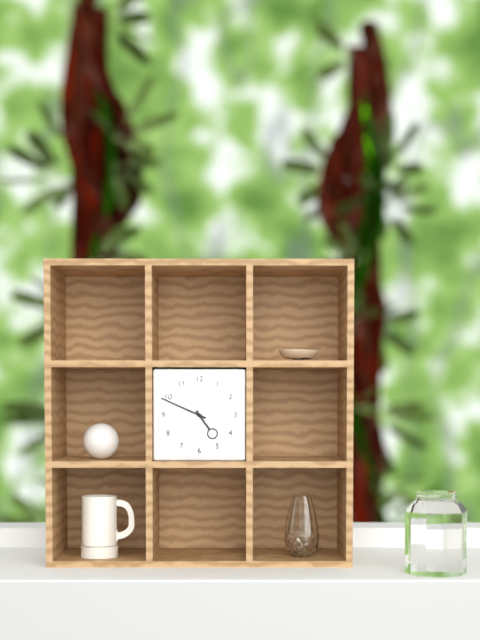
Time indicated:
**4:49**
